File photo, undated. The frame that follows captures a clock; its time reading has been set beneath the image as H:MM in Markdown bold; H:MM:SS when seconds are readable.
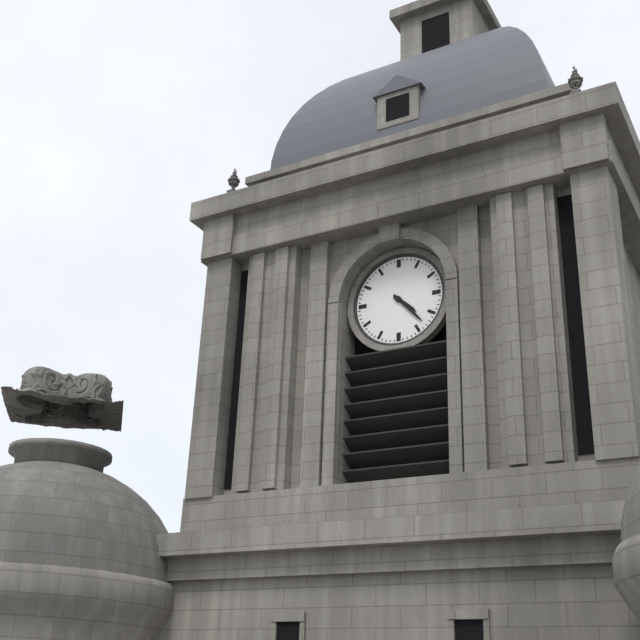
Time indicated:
**4:23**
